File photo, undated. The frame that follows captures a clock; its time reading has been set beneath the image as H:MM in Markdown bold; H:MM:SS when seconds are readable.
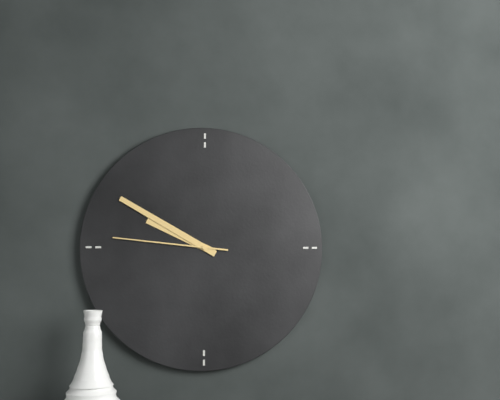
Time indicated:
**9:50:46**
